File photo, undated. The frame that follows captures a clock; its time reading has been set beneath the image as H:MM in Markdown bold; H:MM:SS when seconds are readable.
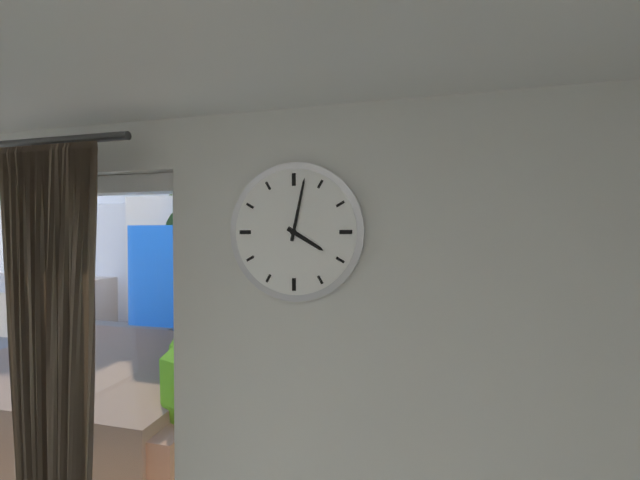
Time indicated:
**4:02**
